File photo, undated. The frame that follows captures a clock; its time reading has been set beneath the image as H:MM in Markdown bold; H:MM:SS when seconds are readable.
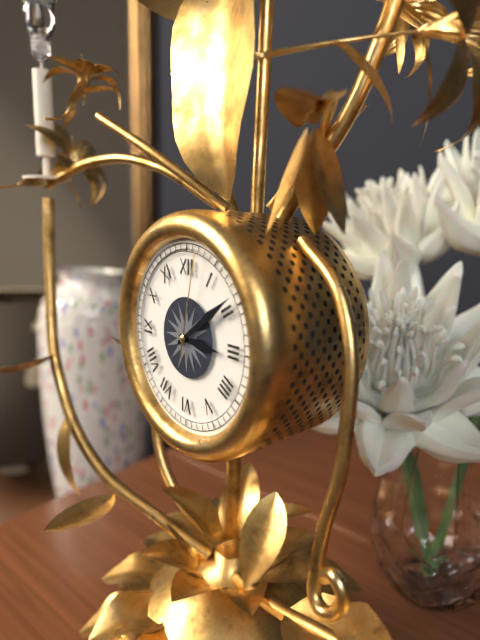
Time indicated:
**3:09:02**
